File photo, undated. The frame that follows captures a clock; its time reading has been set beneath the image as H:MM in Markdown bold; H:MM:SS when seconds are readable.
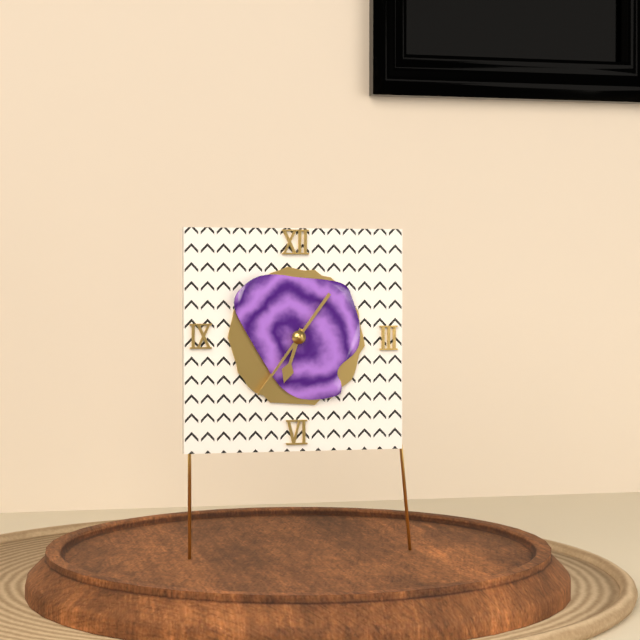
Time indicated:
**6:36**
